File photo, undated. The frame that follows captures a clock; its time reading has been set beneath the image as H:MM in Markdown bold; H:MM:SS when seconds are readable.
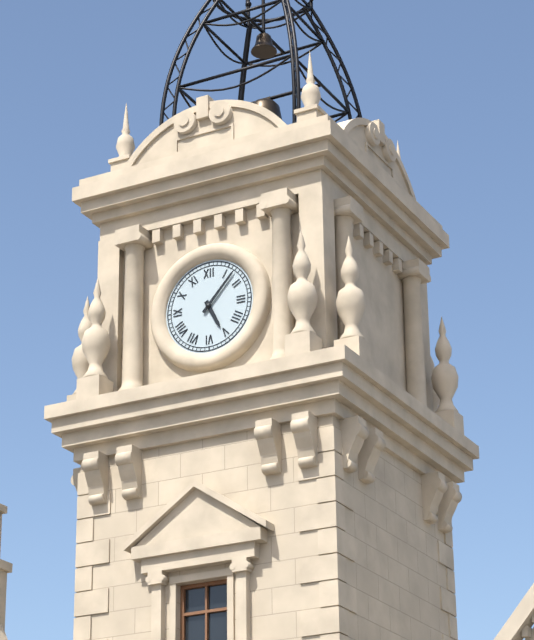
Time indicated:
**5:07**
